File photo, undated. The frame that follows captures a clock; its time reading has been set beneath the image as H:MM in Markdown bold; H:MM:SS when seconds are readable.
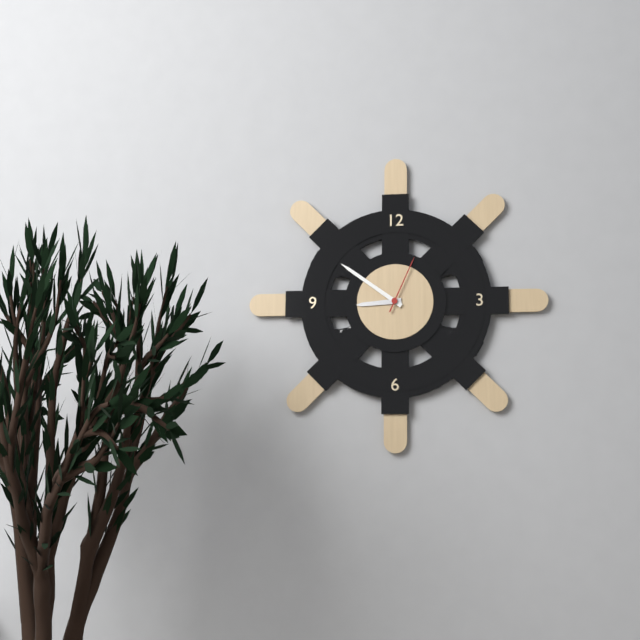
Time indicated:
**8:51:04**
